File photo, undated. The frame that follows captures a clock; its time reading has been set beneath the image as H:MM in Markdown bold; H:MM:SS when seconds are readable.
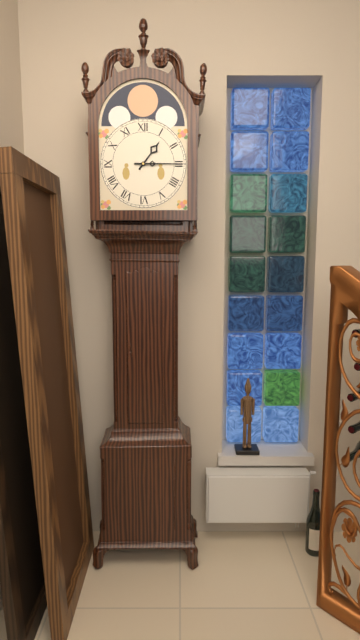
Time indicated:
**1:15**
